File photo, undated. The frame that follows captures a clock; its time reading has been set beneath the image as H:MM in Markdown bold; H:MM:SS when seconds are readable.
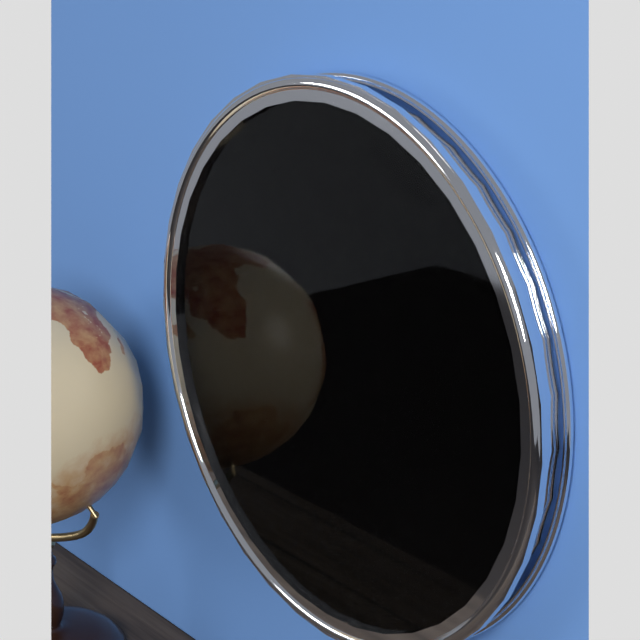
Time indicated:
**1:16**
